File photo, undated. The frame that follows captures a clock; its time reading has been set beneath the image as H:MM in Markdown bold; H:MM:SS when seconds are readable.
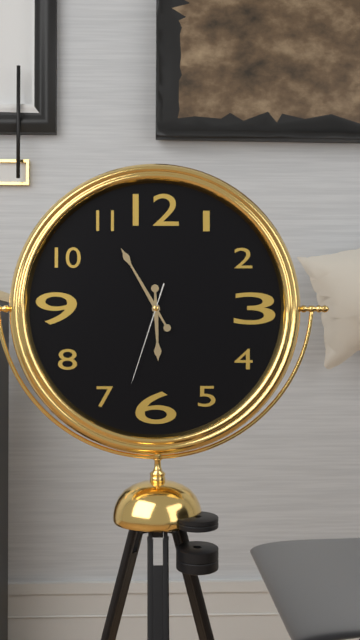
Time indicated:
**5:55:33**
